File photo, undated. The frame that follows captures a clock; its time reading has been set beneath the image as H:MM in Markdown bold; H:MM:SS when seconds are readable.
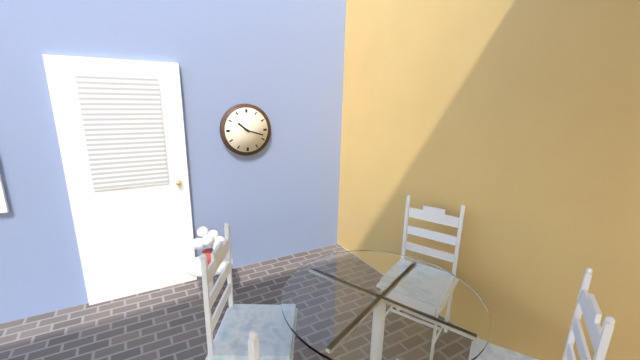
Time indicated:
**10:18**
